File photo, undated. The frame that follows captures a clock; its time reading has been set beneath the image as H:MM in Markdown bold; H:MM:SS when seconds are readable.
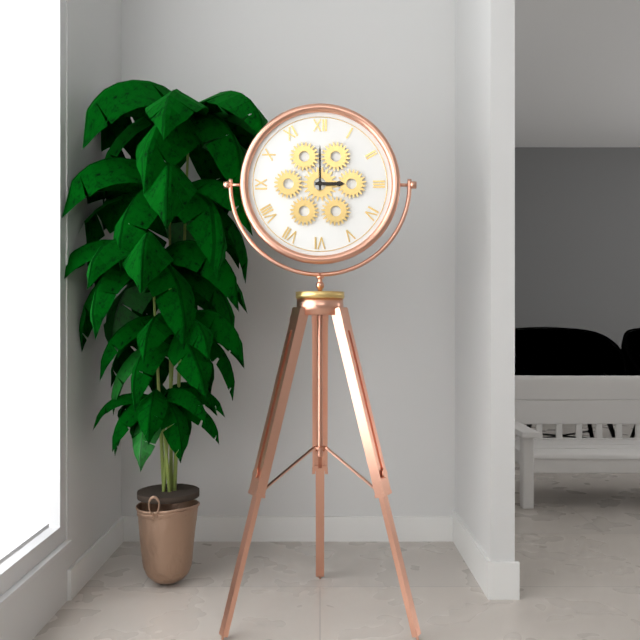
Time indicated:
**3:00**
